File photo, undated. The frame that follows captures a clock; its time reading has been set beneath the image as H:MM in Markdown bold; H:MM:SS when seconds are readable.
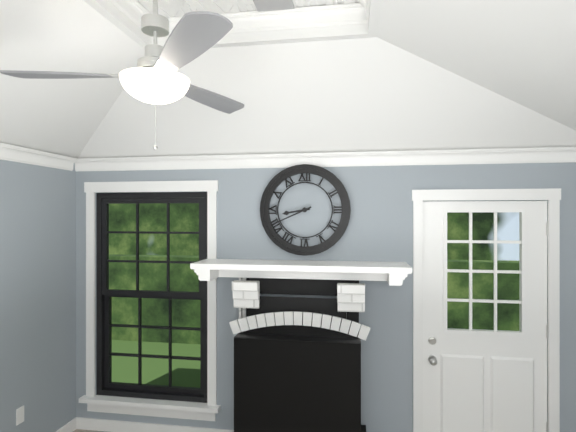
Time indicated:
**8:41**
